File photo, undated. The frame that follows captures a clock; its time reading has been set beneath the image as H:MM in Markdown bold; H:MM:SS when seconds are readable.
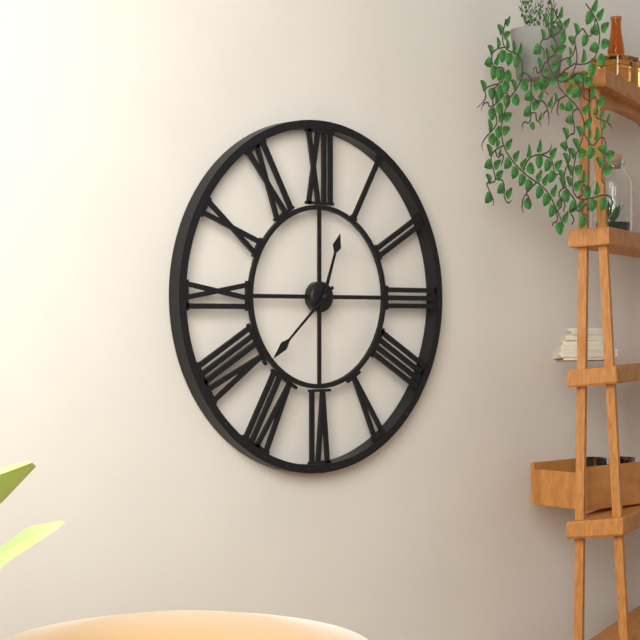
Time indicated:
**12:38**
